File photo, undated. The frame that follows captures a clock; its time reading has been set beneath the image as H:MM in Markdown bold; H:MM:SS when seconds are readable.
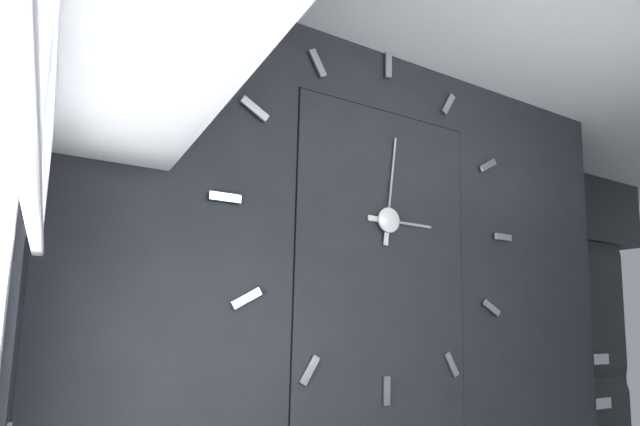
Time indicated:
**3:01**
